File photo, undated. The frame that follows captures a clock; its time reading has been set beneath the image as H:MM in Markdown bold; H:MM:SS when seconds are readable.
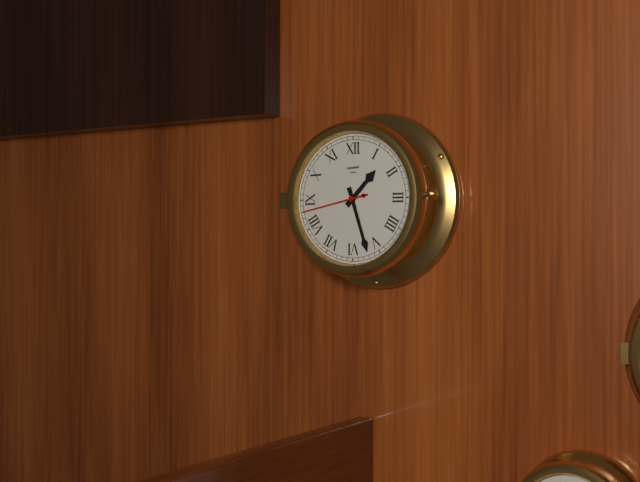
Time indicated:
**1:27:43**
